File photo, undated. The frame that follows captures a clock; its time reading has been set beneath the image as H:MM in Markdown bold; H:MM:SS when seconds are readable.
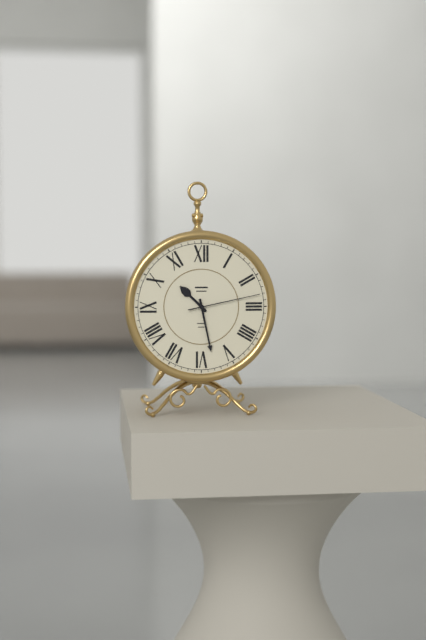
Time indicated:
**10:28:13**
